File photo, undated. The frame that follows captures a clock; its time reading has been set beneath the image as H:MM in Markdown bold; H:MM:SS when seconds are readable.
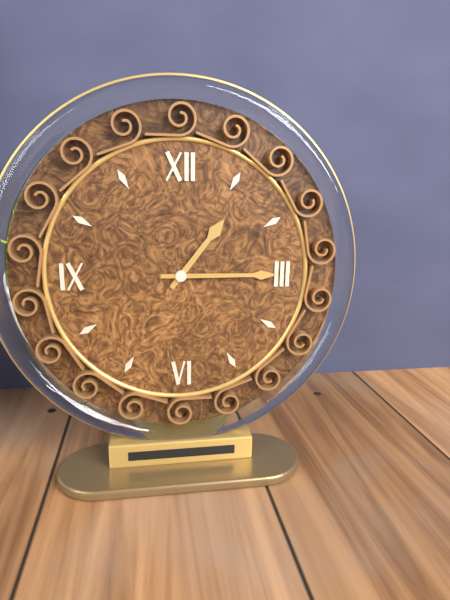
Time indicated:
**1:15**
